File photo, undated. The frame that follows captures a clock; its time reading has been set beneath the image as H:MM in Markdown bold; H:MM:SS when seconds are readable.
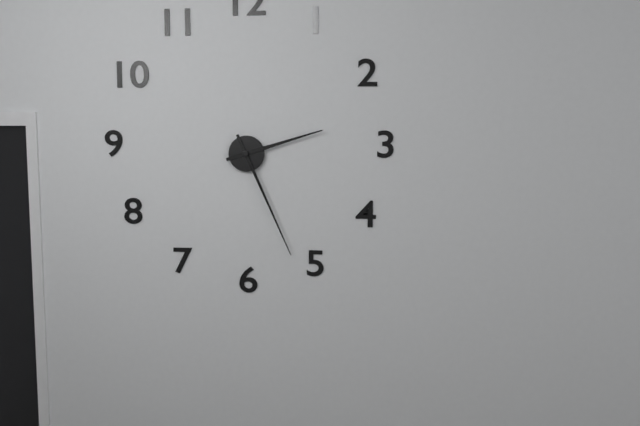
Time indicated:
**2:26**
